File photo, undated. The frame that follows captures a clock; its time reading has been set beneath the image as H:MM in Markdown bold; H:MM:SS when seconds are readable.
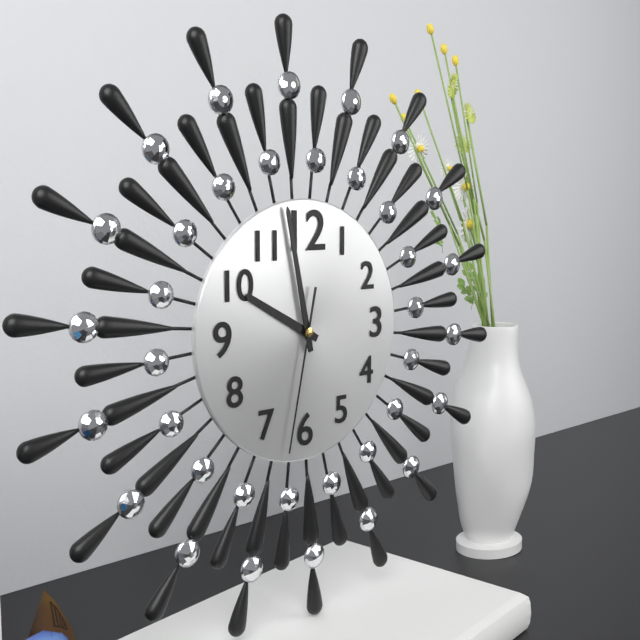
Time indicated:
**9:58:32**
